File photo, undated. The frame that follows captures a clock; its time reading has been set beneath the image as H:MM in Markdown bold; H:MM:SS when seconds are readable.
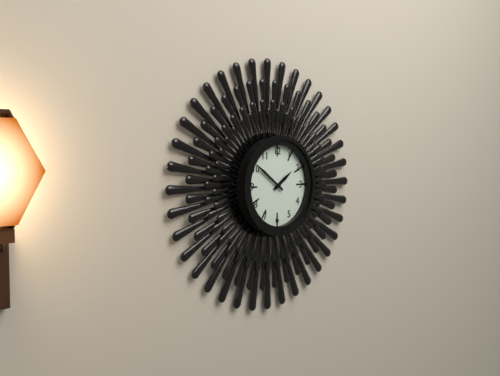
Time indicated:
**1:51**
